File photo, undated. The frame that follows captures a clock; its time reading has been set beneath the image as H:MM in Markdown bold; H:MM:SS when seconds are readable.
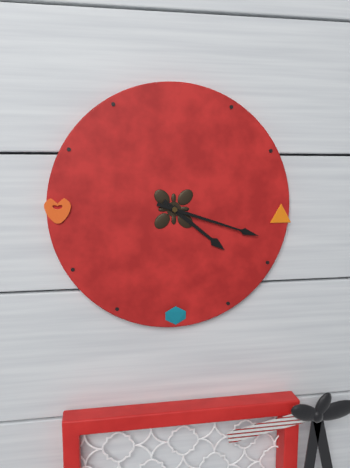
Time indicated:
**4:18**
